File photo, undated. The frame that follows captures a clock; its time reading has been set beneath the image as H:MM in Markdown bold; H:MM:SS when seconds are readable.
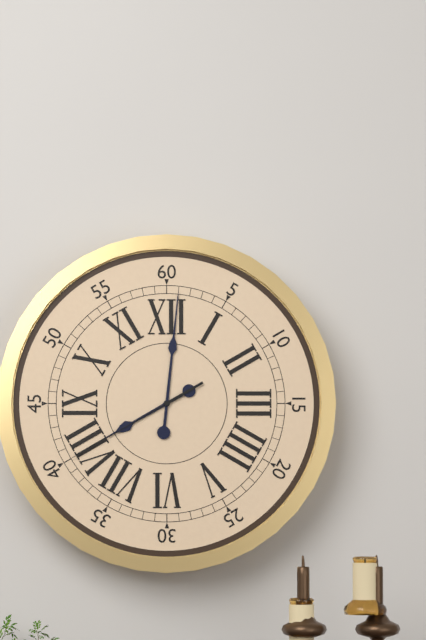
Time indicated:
**8:01:40**
